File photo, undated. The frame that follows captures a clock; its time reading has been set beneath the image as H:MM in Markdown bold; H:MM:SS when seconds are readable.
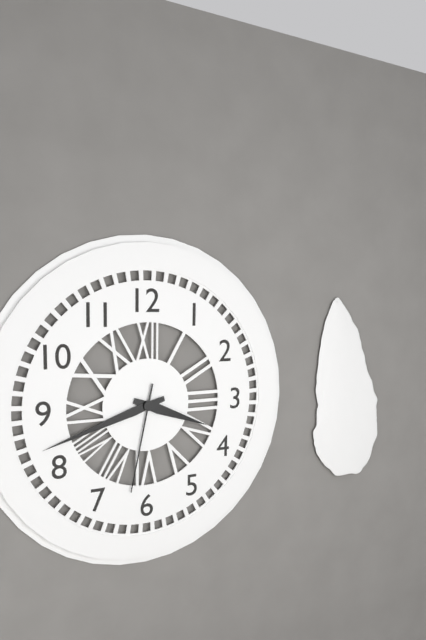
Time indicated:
**3:42:32**
